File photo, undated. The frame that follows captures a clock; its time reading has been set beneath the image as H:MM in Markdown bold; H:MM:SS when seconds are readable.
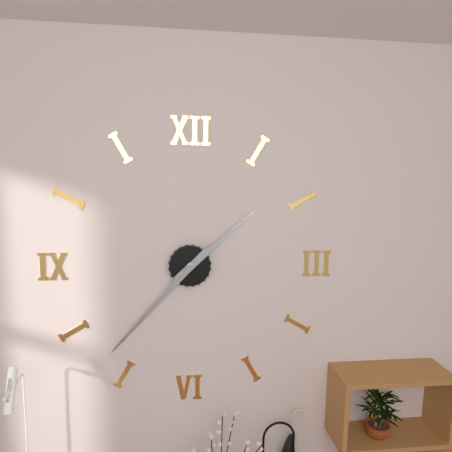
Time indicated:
**1:37**
